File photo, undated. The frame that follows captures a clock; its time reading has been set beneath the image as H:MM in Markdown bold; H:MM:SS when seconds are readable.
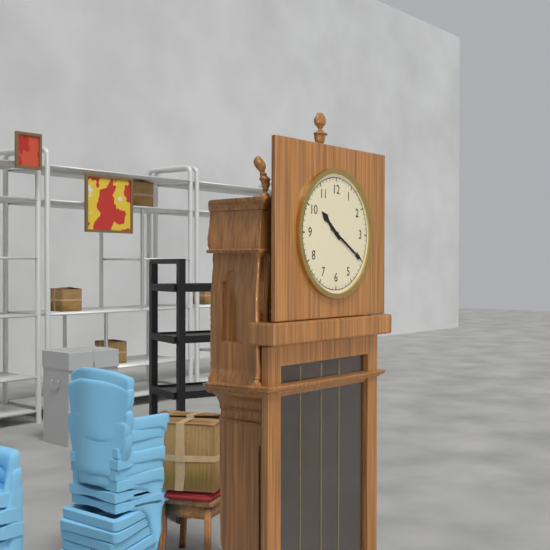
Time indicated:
**10:20**
